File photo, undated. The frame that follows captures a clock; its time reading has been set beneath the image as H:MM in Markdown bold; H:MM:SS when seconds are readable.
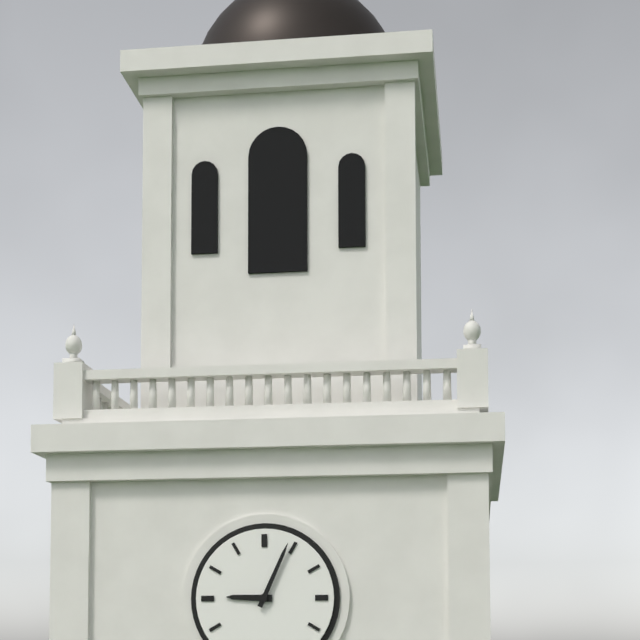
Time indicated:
**9:04**
